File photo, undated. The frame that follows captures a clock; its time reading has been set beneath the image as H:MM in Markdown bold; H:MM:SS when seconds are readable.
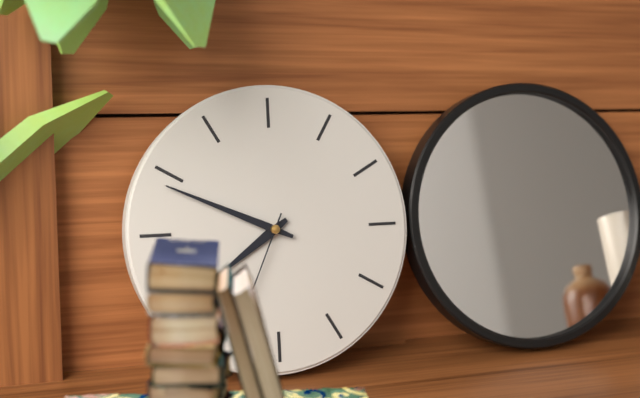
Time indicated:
**7:49**
